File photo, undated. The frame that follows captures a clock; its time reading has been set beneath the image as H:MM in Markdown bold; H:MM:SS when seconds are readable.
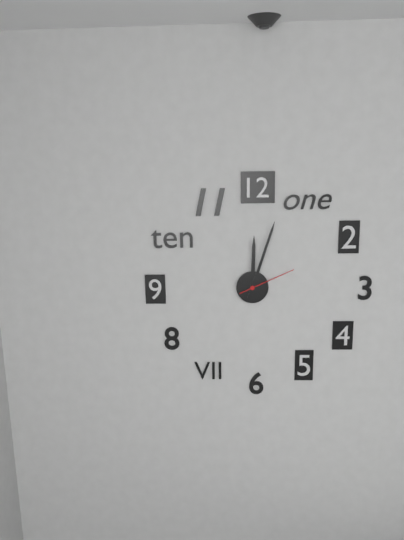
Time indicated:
**12:03:11**
